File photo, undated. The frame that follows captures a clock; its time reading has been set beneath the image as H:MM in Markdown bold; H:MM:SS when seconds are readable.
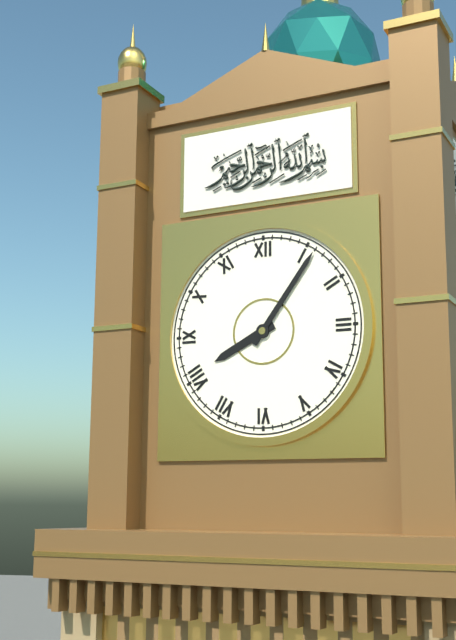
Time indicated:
**8:06**
